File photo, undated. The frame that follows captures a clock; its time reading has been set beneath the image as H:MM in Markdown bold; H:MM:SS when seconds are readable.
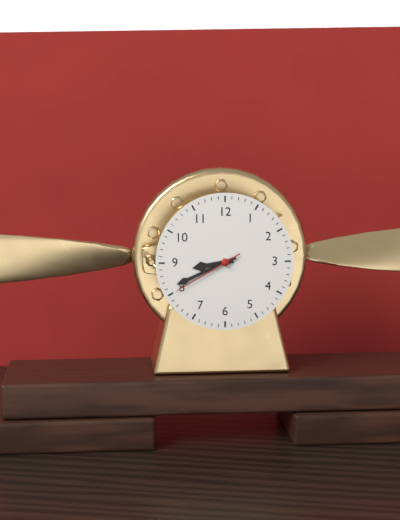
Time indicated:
**8:41:40**
